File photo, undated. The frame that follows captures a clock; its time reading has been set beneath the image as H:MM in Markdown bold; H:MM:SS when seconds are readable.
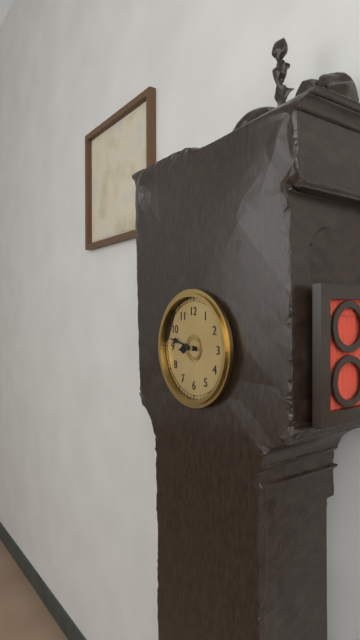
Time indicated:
**8:47**
